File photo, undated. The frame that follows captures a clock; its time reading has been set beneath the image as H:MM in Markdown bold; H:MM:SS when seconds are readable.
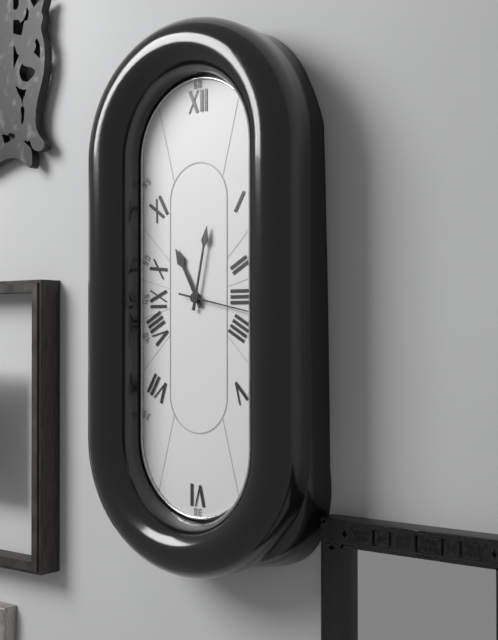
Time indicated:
**11:02**
